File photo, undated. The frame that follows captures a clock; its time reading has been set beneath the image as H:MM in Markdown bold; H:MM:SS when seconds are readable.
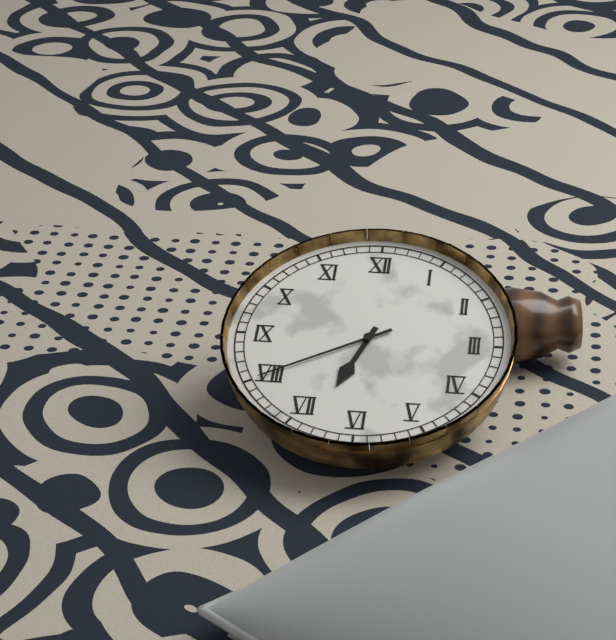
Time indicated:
**6:40**
